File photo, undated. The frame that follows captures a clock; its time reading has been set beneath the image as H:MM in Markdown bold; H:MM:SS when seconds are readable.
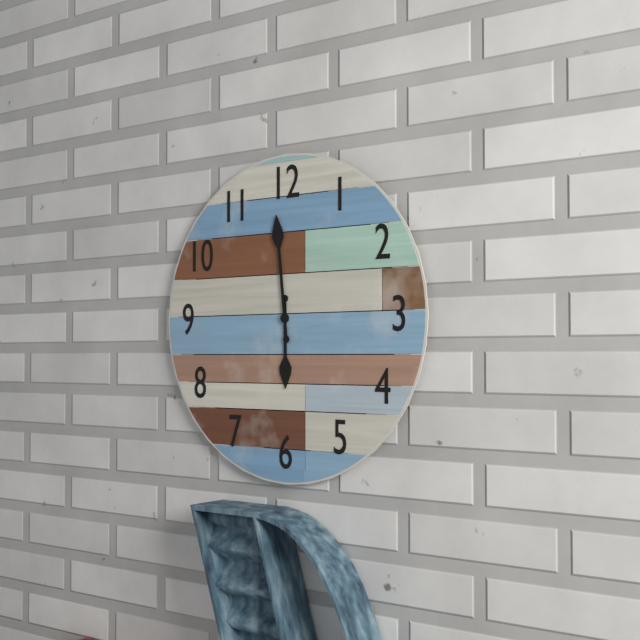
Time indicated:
**5:59**
